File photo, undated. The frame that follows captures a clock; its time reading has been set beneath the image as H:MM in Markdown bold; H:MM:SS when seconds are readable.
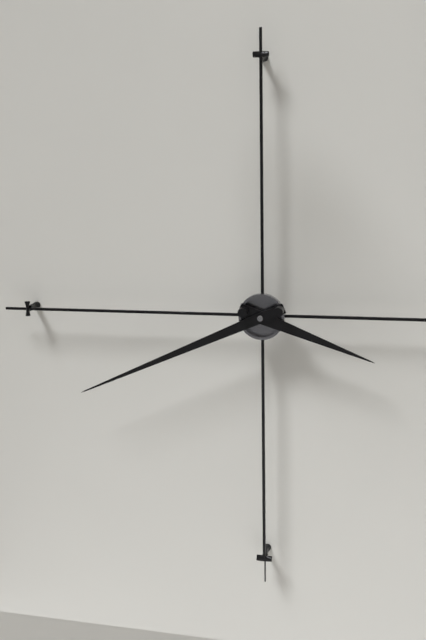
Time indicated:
**3:41**
